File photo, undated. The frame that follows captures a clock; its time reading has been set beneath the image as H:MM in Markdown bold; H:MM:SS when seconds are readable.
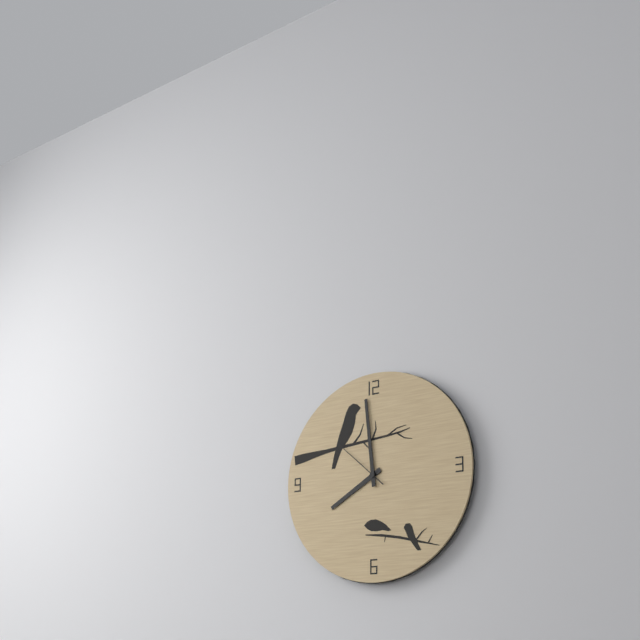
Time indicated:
**7:59:52**
